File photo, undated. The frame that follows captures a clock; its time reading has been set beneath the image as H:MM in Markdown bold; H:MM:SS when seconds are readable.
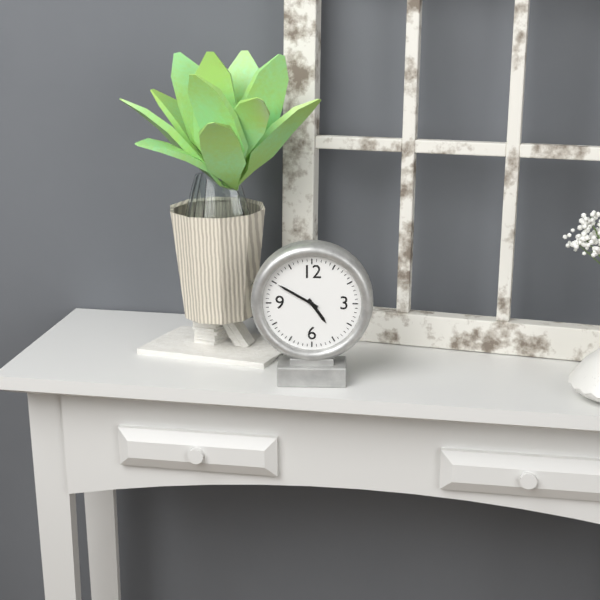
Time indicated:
**4:50**
